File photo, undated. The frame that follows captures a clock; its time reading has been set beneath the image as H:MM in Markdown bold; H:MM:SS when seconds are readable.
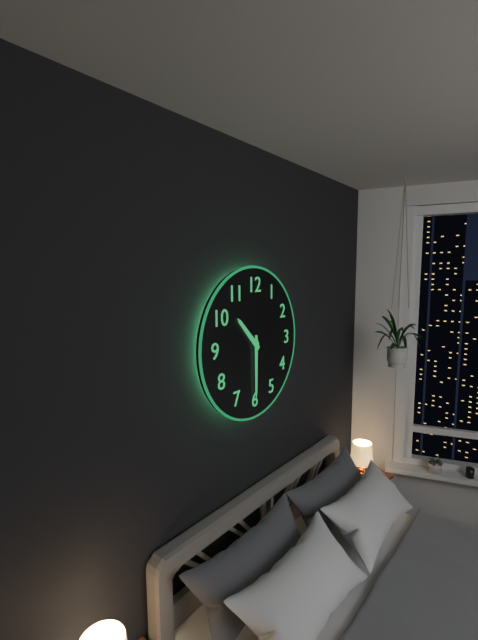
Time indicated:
**10:30**
